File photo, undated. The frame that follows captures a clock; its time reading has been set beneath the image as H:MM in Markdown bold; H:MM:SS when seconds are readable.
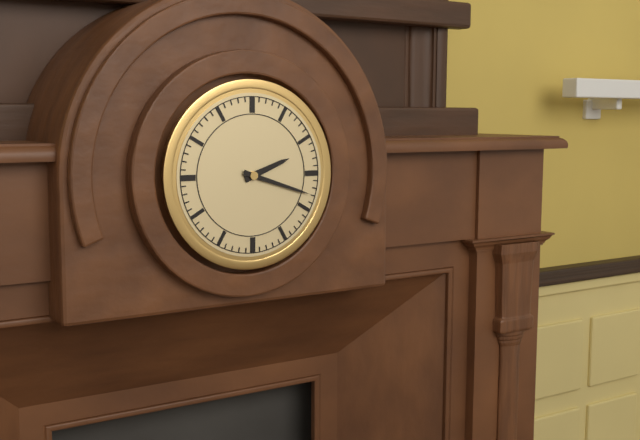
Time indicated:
**2:18**
